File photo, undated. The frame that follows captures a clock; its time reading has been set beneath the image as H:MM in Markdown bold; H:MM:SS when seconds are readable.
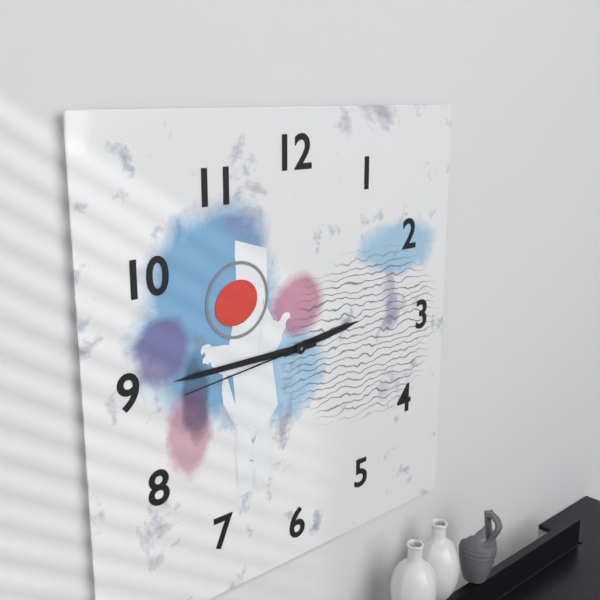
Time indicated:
**2:45:44**
